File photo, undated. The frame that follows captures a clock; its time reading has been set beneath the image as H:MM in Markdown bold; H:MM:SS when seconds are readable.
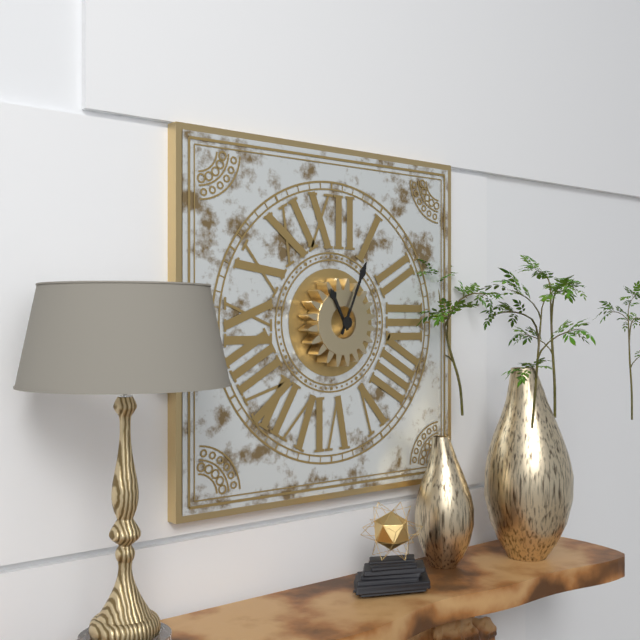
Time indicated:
**11:04**
